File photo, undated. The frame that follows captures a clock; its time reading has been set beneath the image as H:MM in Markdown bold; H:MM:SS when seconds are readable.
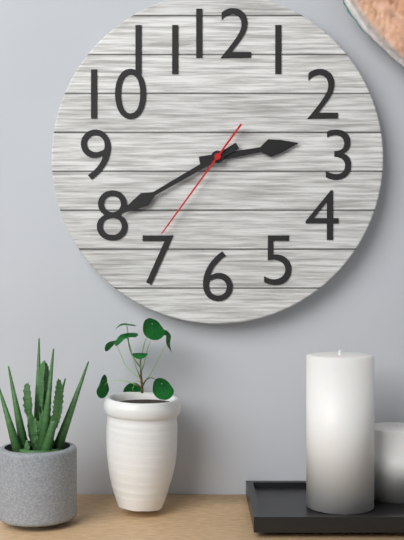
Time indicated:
**2:40:36**
